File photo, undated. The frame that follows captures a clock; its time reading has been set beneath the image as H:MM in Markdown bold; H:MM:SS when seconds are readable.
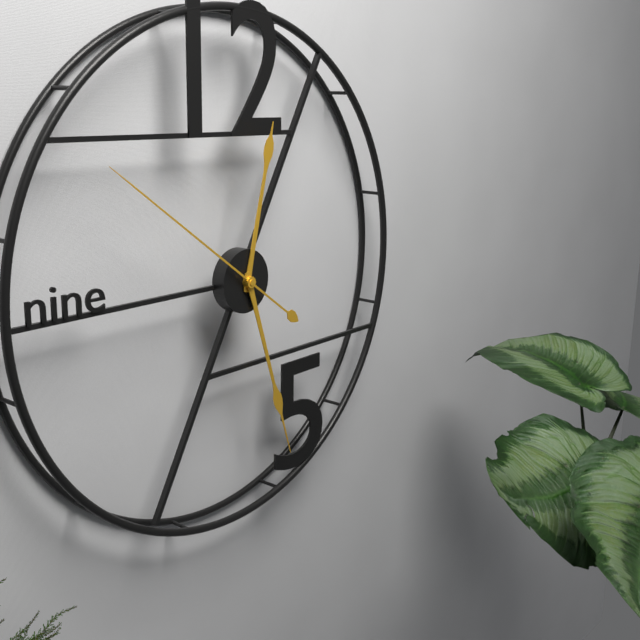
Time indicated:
**12:27:51**
